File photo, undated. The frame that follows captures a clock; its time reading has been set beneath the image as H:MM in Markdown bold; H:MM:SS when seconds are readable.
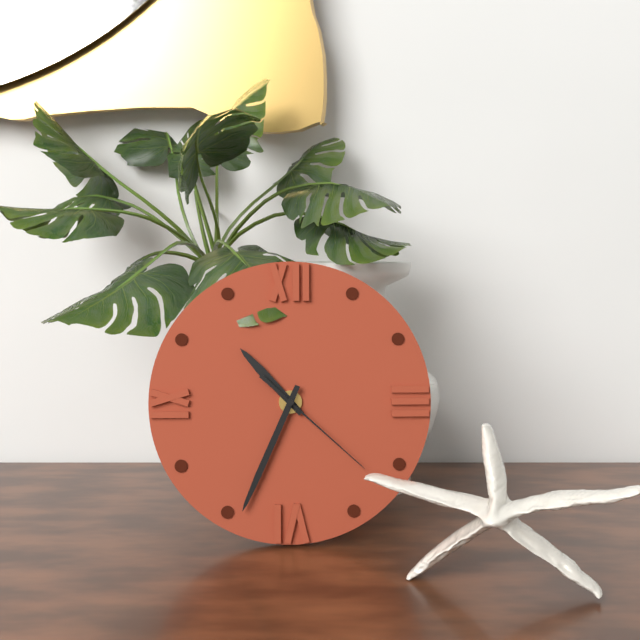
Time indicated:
**10:34:22**
